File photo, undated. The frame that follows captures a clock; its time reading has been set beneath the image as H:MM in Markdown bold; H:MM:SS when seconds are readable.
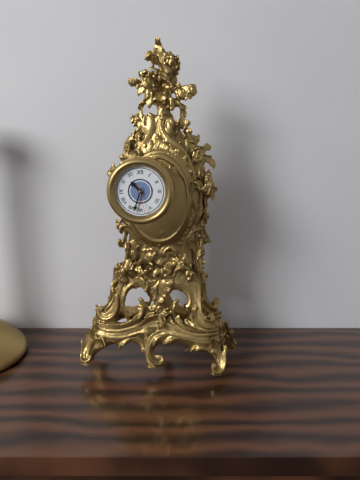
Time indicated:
**10:33**
